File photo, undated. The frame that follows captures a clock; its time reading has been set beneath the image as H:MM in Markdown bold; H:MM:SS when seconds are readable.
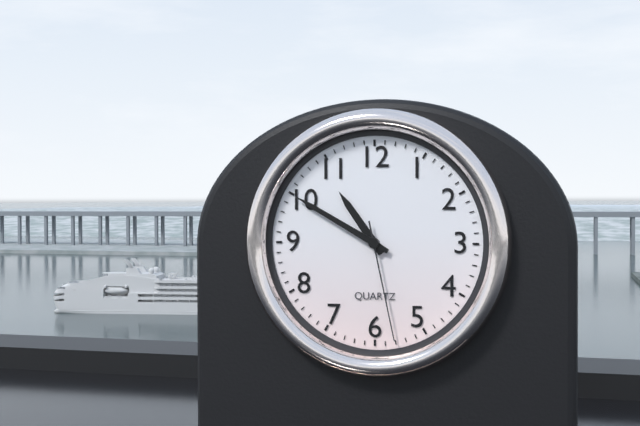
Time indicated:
**10:50:28**
